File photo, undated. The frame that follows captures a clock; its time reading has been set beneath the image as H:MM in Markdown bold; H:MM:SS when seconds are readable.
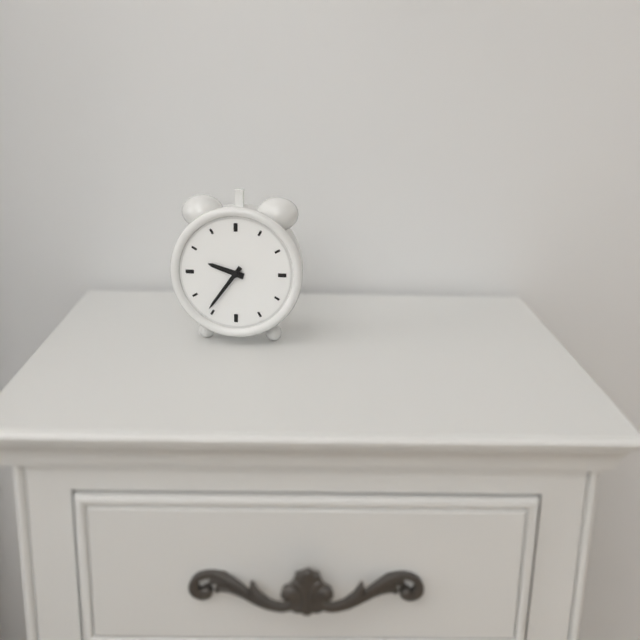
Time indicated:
**9:36**
